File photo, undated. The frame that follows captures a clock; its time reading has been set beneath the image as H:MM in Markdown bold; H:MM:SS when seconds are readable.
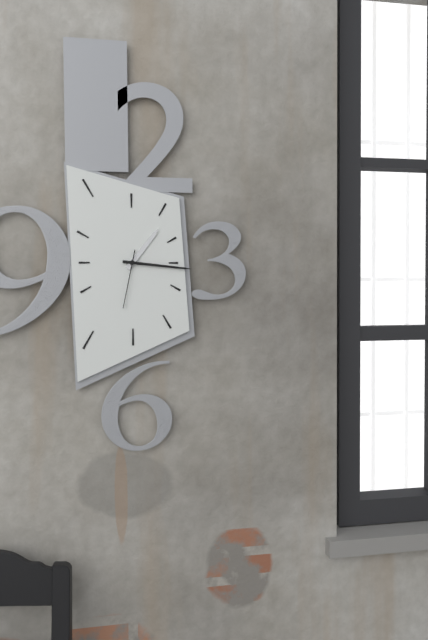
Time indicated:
**1:16:32**
